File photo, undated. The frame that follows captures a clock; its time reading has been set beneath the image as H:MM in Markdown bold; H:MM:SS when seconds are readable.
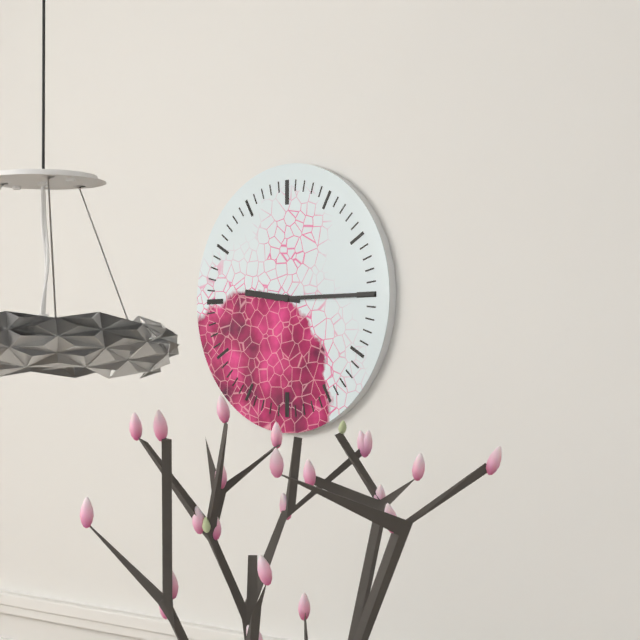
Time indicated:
**9:15**
